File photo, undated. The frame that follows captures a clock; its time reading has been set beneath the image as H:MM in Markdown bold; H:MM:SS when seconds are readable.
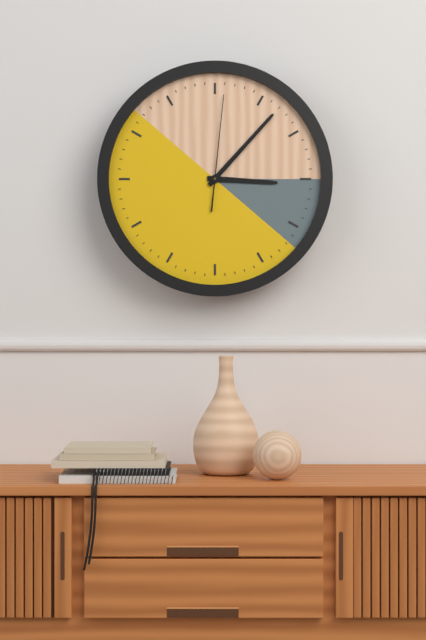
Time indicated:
**3:07:01**
